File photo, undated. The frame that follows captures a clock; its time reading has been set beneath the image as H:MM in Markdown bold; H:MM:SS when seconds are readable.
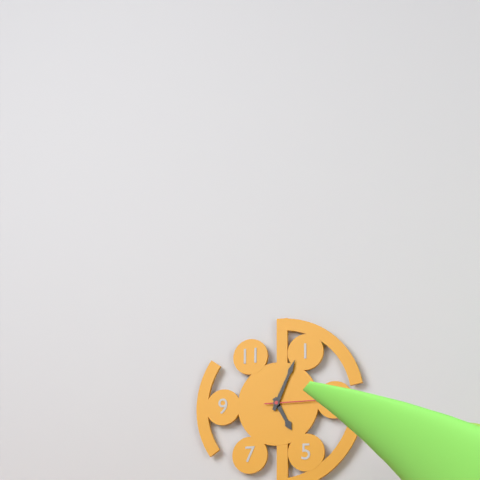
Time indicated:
**5:04**
